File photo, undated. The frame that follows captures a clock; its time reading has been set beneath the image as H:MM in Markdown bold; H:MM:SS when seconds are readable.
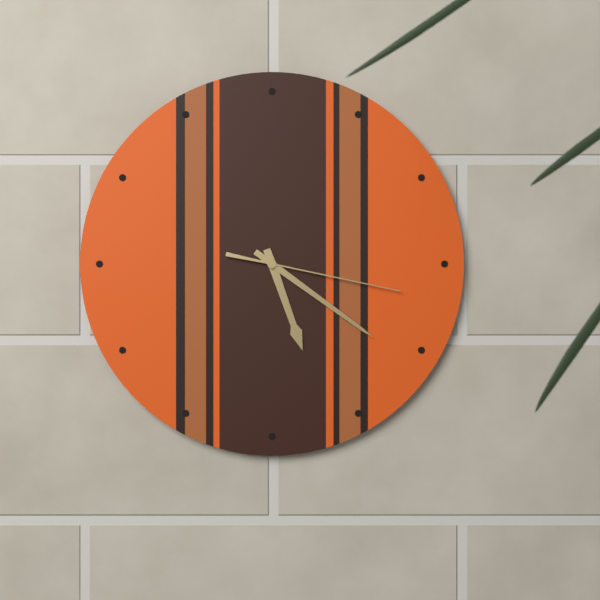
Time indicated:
**5:21:17**
